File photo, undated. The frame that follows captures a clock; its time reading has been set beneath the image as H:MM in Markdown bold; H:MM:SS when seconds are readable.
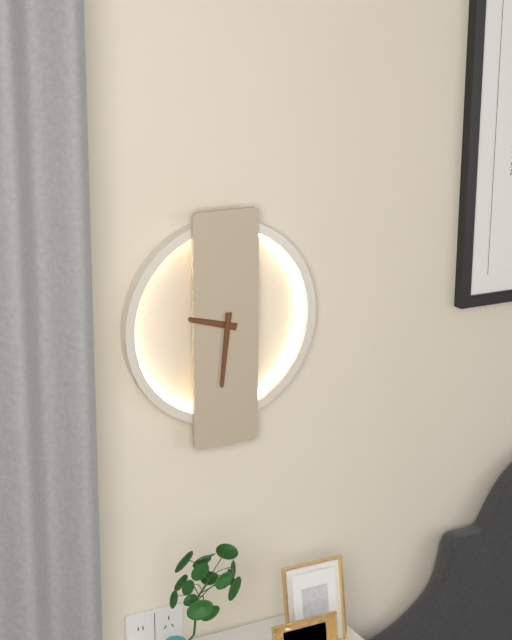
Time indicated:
**9:31**
